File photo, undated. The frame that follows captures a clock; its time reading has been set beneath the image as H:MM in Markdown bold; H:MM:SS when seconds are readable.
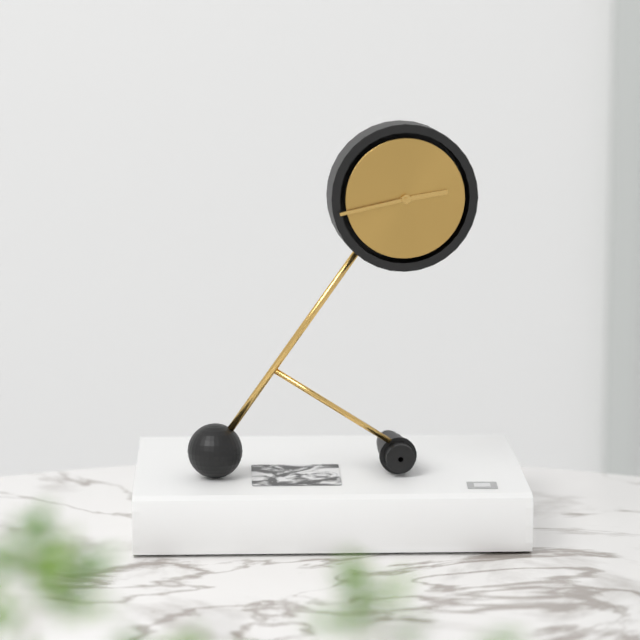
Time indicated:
**2:43**
